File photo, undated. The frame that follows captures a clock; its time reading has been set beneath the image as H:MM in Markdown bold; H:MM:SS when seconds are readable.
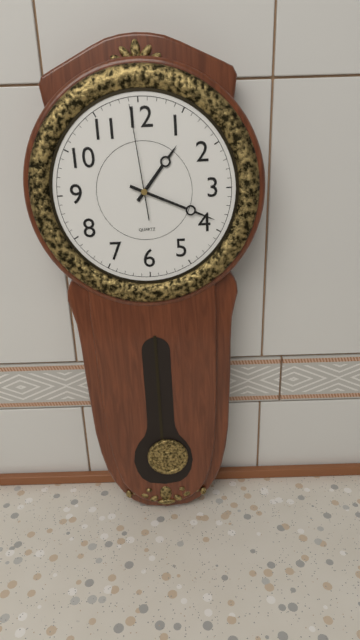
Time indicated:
**1:19:59**
